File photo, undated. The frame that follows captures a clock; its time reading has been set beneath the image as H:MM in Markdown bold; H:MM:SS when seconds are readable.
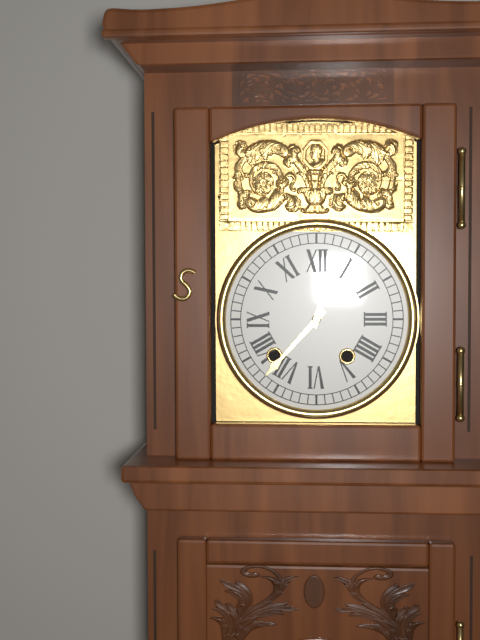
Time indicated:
**12:37**
